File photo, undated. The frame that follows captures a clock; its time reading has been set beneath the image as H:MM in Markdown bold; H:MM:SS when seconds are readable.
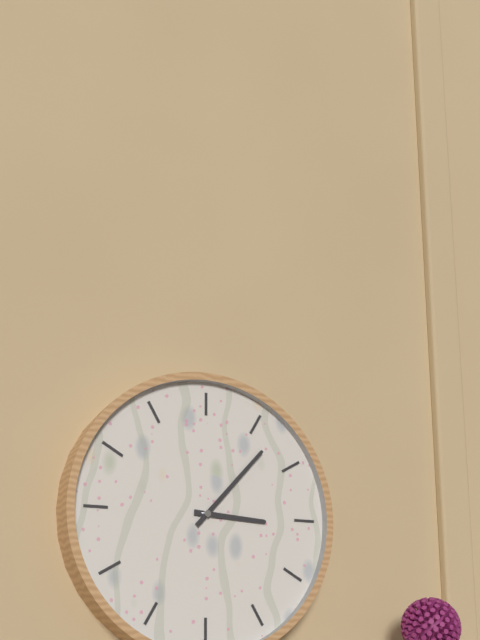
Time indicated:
**3:07**
